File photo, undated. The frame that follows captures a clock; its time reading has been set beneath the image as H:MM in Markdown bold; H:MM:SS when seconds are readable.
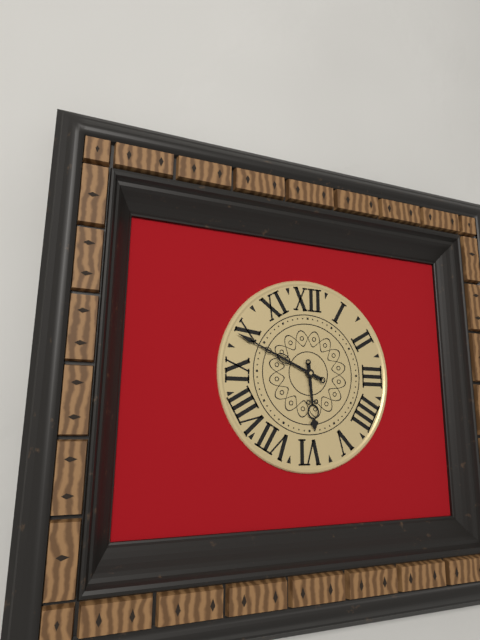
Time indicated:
**5:49**
